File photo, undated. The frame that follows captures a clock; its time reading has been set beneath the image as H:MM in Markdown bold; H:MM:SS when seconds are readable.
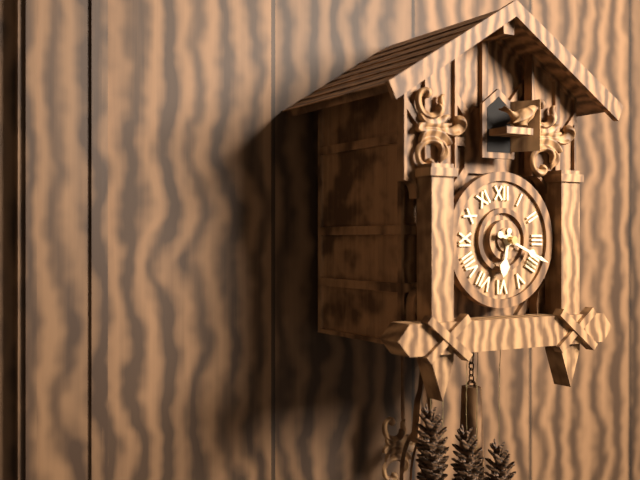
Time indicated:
**6:19**
